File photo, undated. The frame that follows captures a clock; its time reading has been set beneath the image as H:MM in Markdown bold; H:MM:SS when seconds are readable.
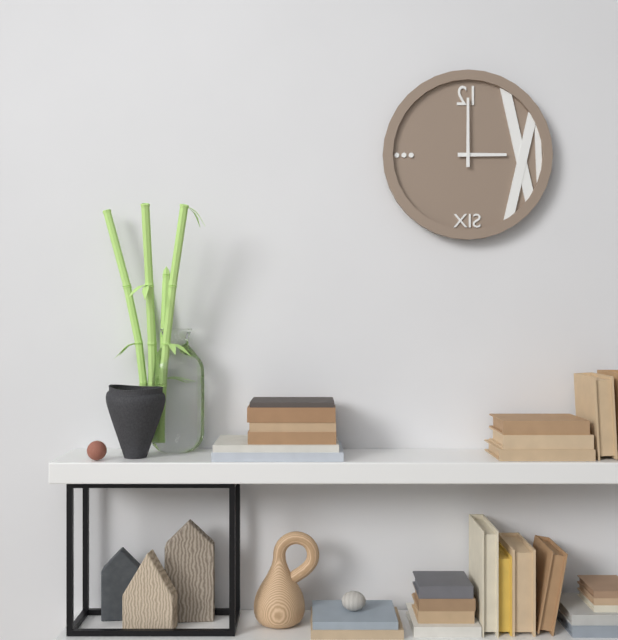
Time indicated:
**3:00**
